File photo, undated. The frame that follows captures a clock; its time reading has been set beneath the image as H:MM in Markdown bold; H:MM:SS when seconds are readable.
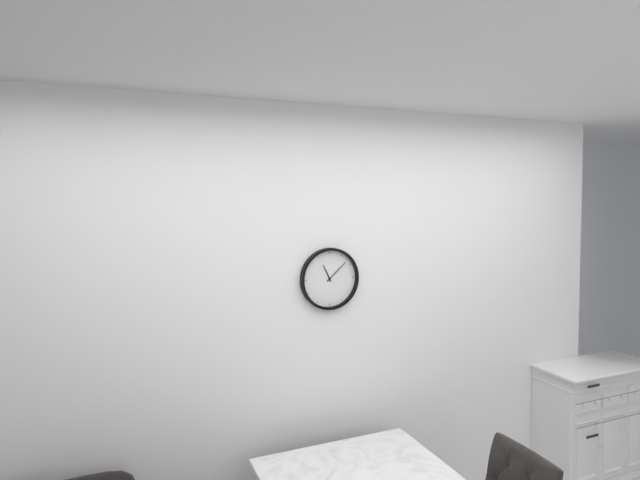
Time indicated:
**11:08**
